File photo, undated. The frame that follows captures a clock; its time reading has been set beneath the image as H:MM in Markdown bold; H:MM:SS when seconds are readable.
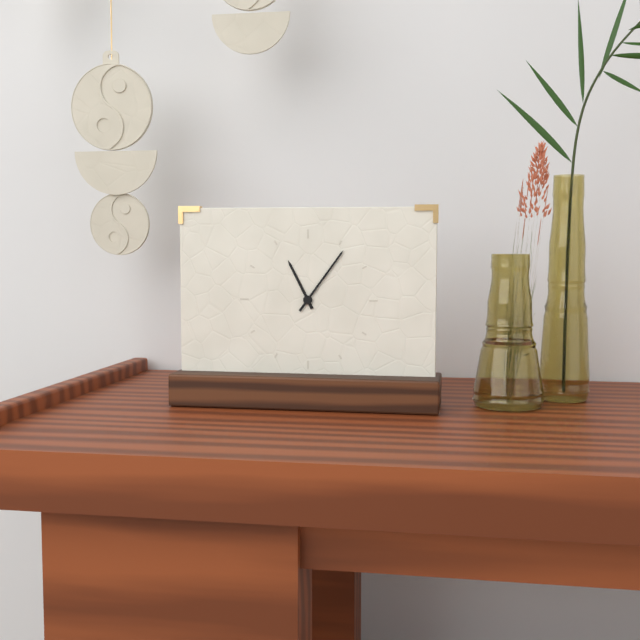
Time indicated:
**11:06**
